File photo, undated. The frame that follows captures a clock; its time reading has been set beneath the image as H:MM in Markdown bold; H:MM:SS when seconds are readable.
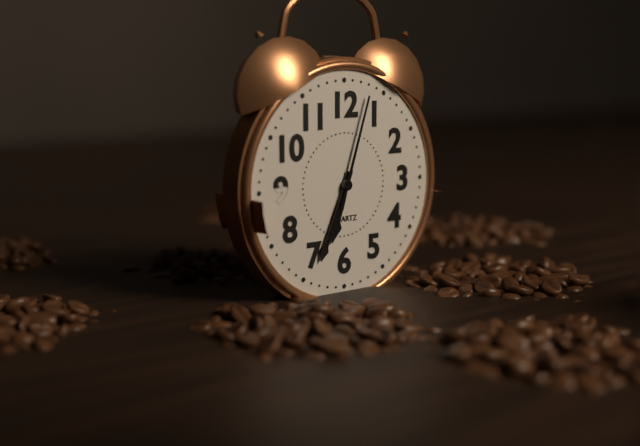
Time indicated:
**6:34:03**
